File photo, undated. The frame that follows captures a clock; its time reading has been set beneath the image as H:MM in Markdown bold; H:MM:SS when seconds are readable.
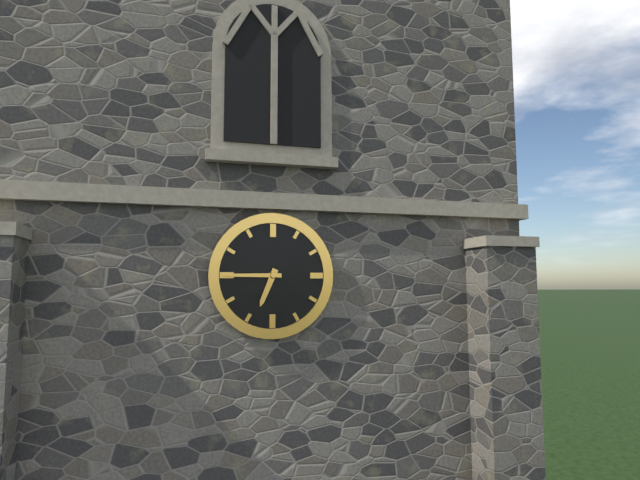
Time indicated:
**6:45**
